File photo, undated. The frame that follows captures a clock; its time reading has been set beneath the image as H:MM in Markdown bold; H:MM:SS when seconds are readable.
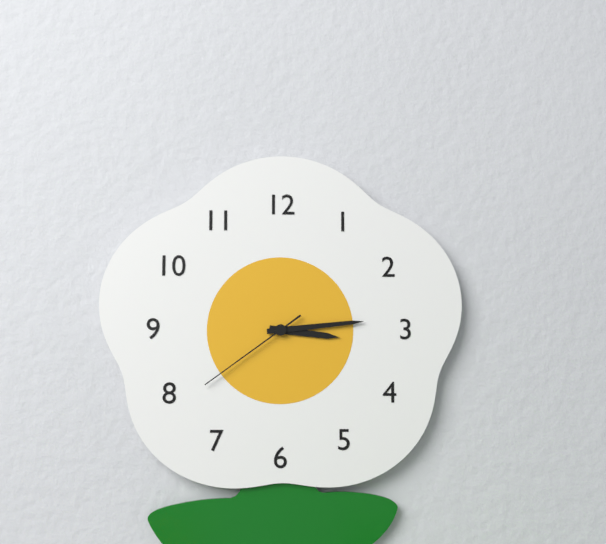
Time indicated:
**3:14:39**
